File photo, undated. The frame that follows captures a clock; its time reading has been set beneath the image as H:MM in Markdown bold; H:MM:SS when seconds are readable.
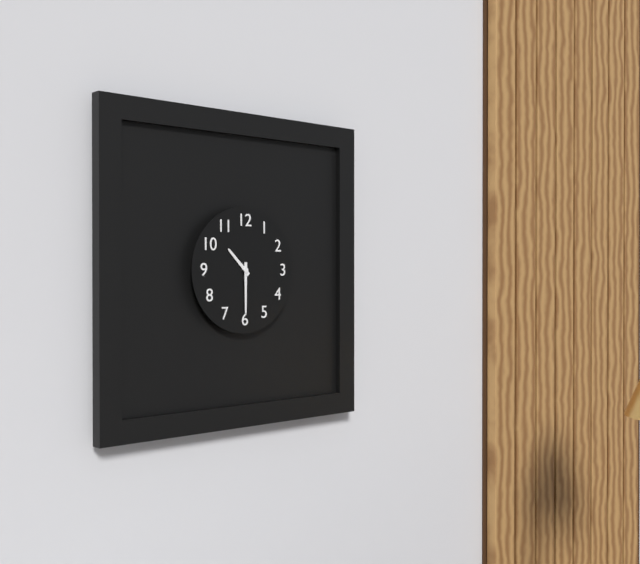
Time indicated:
**10:30**
